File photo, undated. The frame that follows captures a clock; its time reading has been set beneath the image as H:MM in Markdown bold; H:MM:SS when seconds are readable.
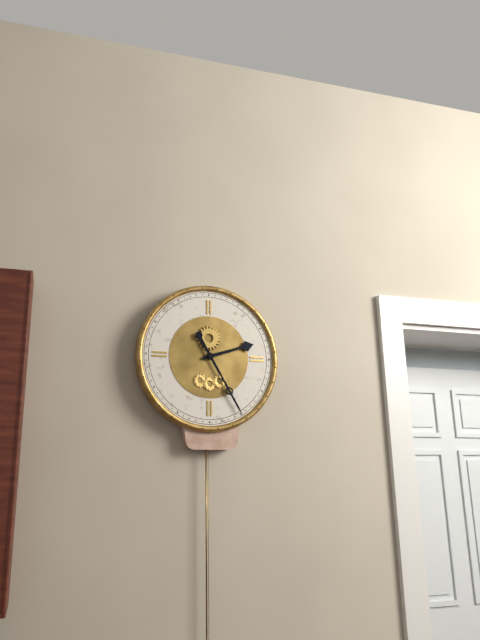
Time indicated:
**2:25**
